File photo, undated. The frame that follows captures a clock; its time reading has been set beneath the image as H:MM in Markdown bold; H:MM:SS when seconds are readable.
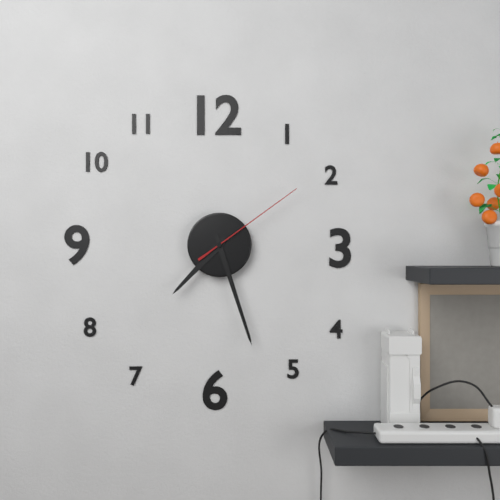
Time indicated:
**7:27:09**
